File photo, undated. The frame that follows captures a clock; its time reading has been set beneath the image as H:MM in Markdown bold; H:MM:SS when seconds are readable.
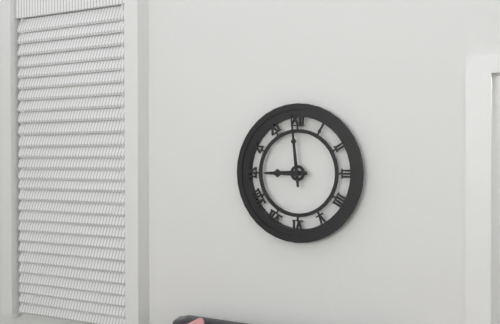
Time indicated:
**8:59**
